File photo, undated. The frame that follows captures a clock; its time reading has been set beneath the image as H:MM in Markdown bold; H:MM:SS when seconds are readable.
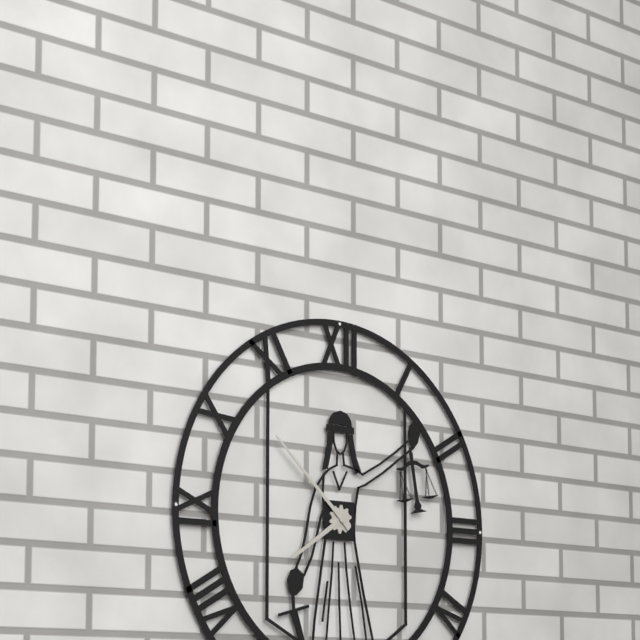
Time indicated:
**7:52**
